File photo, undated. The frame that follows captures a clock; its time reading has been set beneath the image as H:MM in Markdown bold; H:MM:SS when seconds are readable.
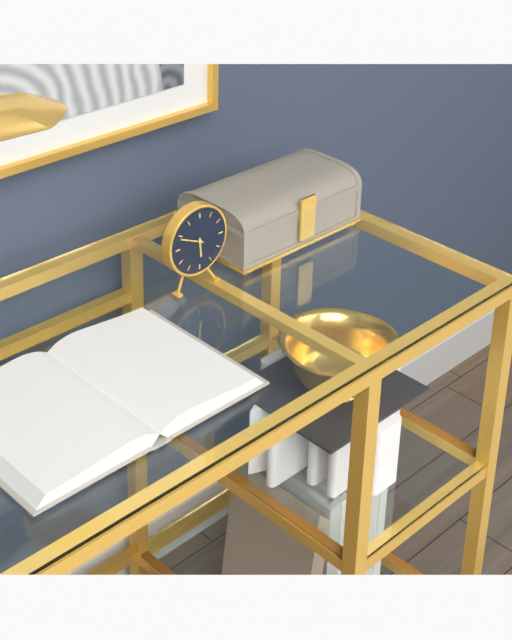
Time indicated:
**5:49**
